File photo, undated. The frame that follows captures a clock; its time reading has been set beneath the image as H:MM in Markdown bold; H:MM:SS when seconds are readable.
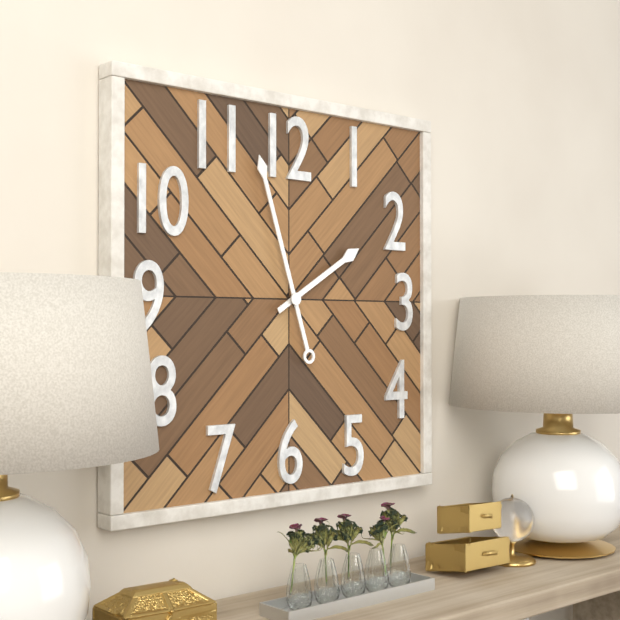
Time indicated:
**1:57**
